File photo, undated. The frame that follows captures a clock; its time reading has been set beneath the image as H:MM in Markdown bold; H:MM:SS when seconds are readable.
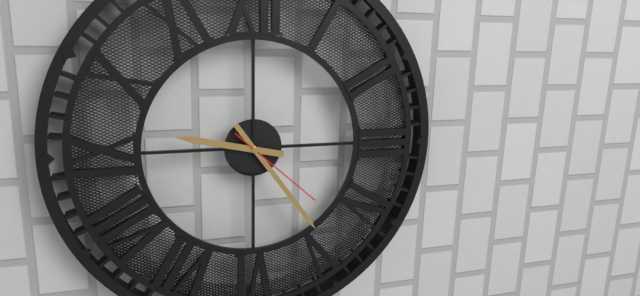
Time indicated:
**9:24:22**
